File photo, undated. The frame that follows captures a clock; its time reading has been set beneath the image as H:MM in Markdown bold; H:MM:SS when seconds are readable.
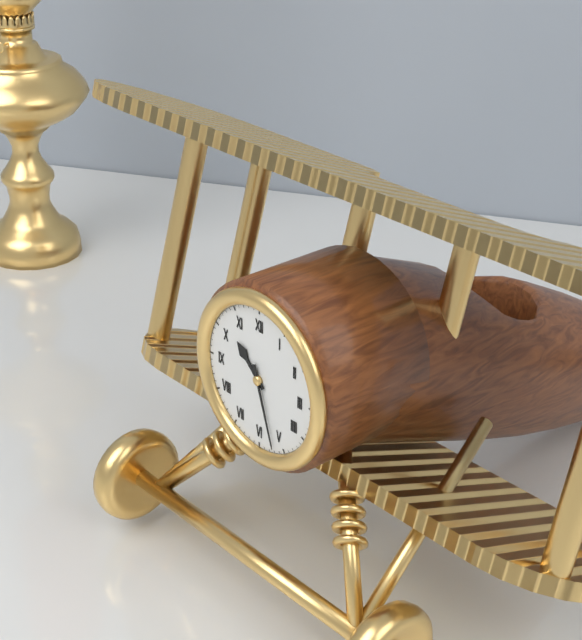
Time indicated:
**10:27**
